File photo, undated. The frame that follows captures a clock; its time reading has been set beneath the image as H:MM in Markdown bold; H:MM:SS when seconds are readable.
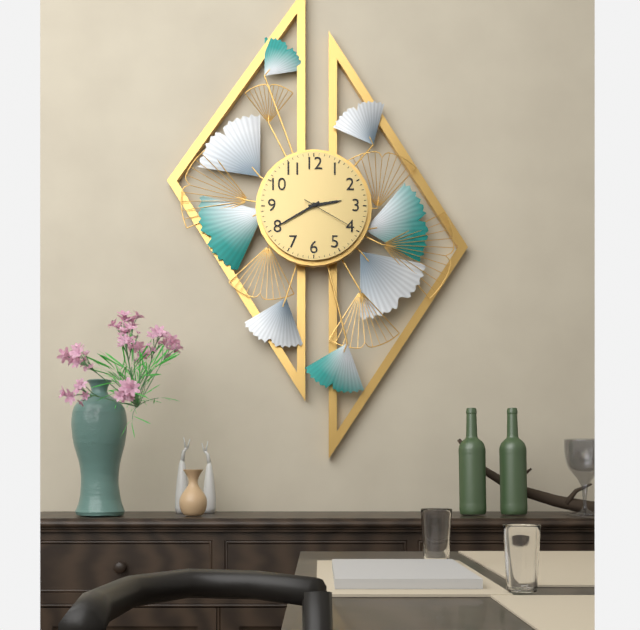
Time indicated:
**2:40:20**
